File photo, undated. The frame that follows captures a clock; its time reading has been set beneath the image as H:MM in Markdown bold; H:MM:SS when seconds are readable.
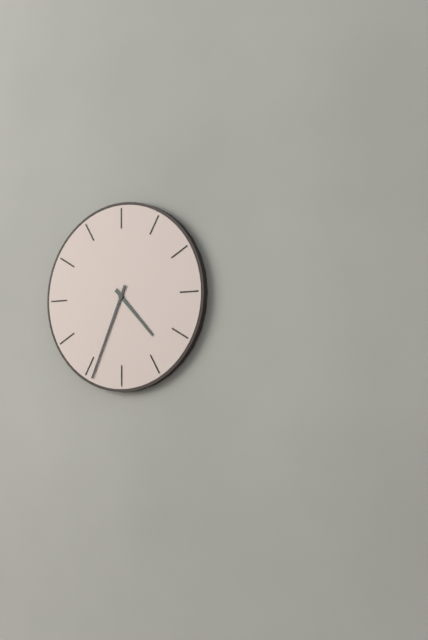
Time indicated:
**4:34**
